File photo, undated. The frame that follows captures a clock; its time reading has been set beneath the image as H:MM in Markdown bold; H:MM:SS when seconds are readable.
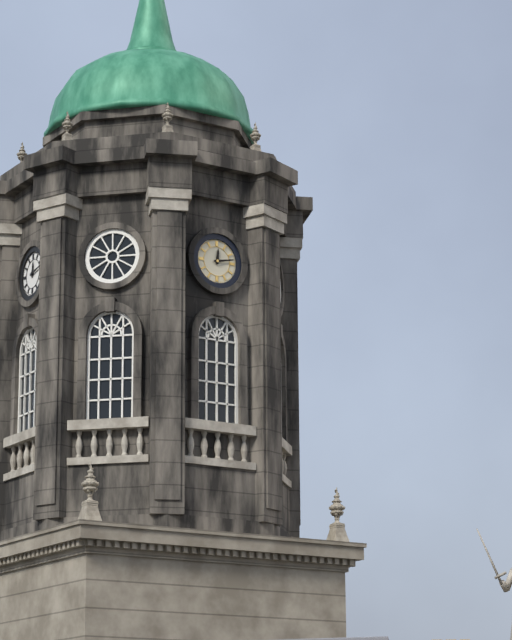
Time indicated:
**12:13**
